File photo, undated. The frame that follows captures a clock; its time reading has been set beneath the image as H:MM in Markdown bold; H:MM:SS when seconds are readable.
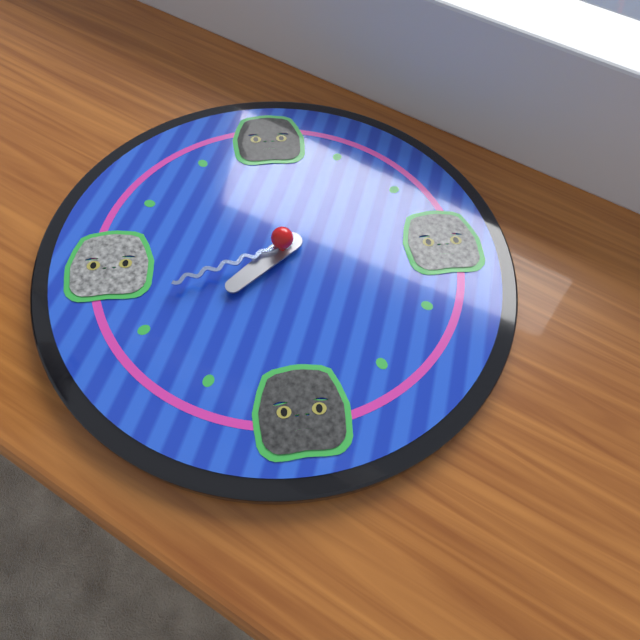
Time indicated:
**7:42**
